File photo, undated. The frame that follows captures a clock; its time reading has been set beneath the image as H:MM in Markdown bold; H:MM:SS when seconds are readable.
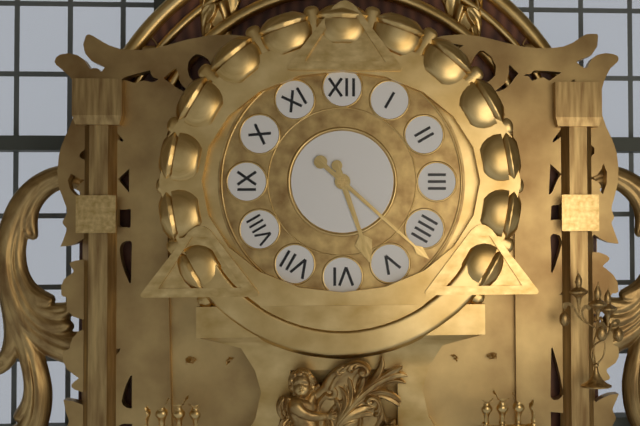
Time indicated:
**5:22**
